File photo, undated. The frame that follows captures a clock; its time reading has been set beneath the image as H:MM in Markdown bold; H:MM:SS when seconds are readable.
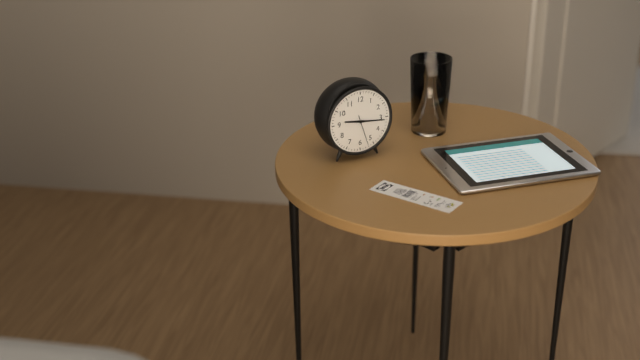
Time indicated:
**9:16**
